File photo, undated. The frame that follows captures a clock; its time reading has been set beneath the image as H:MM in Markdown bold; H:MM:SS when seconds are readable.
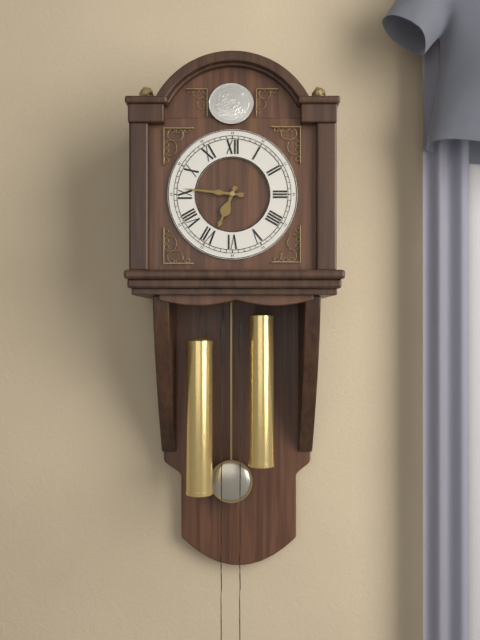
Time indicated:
**6:46**
